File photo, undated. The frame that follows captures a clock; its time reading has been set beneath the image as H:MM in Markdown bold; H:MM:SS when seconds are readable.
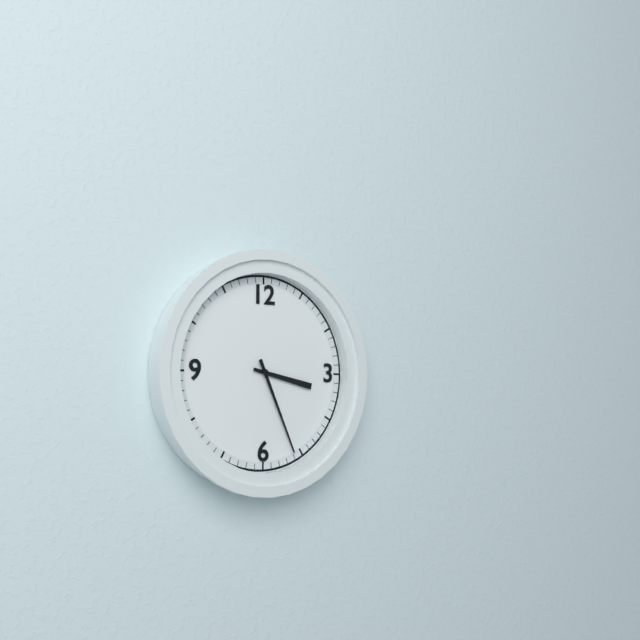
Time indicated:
**3:26**
